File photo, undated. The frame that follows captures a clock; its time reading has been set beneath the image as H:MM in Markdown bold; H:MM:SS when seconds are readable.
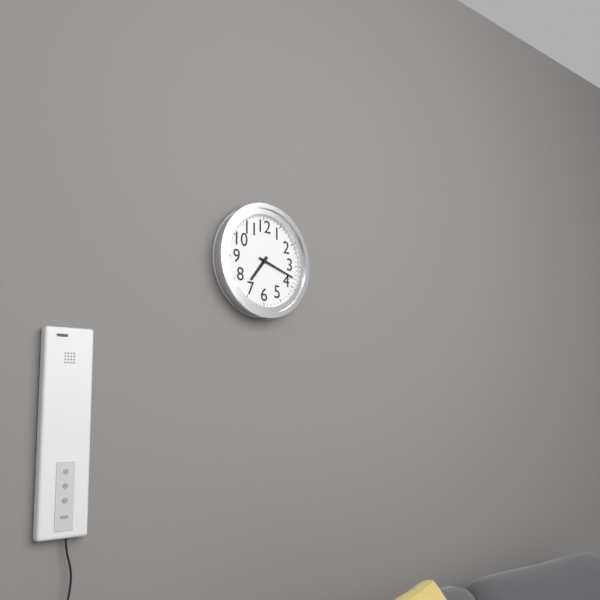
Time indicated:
**7:18**
